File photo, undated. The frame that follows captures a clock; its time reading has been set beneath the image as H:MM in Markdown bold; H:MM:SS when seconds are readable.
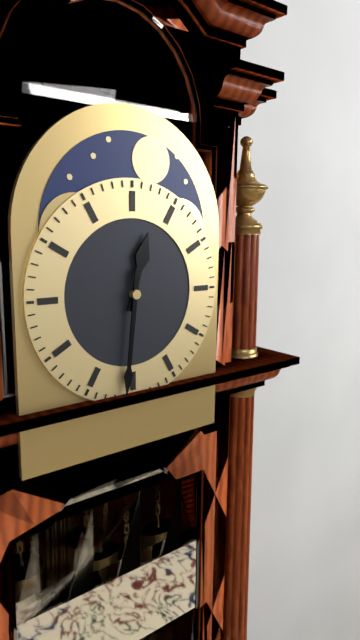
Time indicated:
**12:31**
